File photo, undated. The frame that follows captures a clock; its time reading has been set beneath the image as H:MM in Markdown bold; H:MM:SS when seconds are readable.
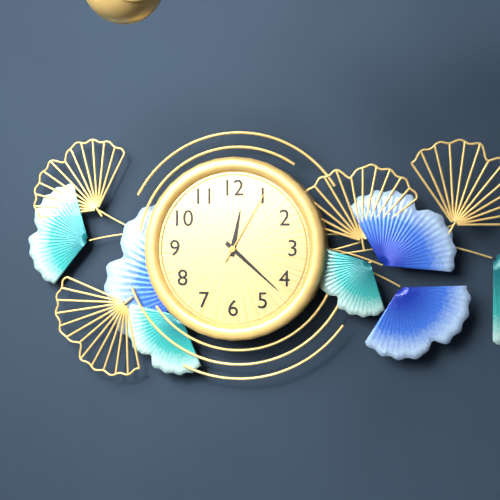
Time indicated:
**12:22:05**
